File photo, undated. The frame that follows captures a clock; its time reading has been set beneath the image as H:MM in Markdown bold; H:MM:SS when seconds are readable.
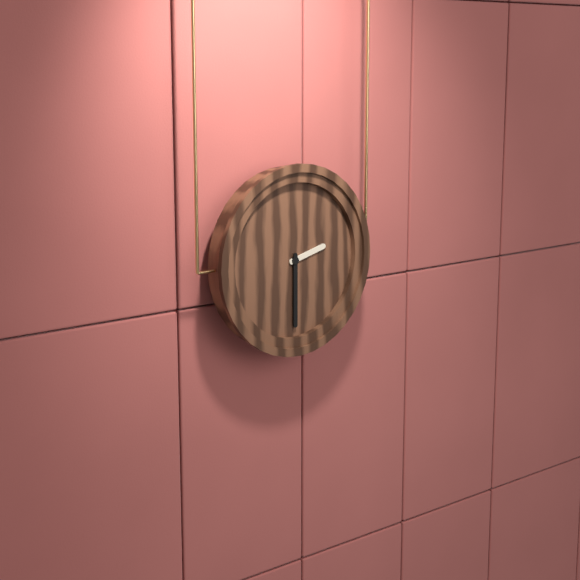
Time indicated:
**2:30**
